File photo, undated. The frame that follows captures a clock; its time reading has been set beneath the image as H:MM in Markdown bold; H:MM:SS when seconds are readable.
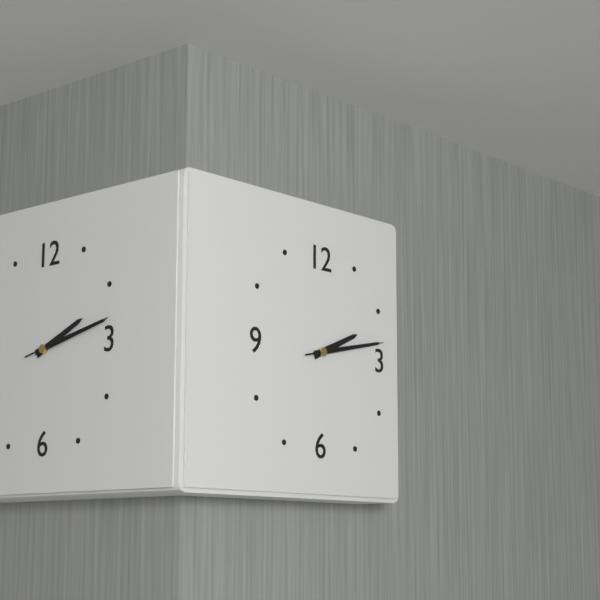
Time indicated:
**2:13:13**
